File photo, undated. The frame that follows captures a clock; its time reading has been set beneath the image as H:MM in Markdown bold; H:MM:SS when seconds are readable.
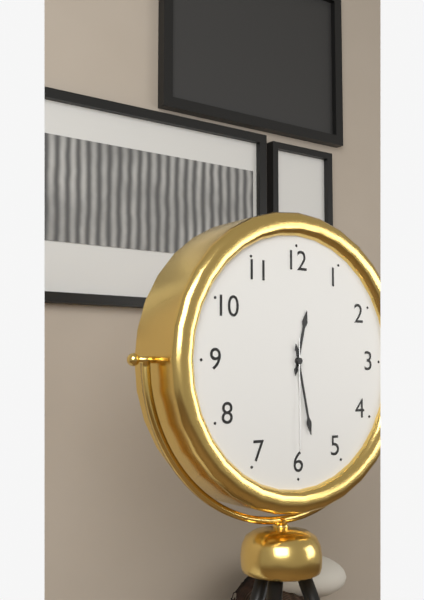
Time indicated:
**12:28:30**
